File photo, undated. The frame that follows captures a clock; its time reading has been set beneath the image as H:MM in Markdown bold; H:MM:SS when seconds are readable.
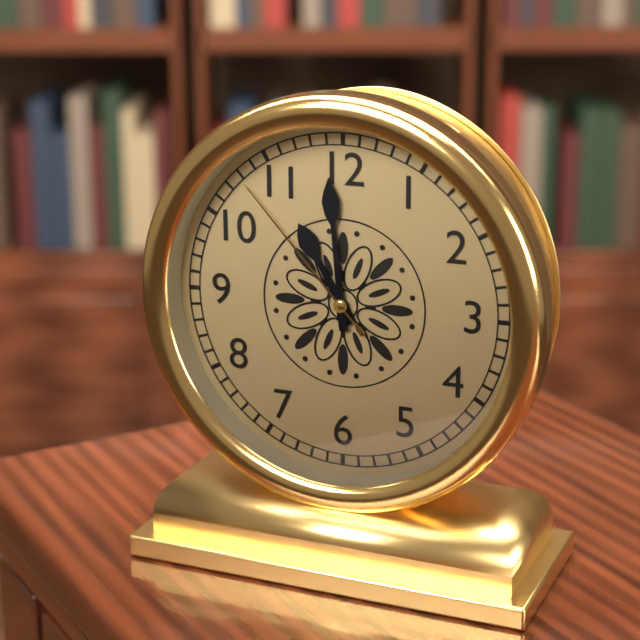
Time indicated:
**10:59:53**
